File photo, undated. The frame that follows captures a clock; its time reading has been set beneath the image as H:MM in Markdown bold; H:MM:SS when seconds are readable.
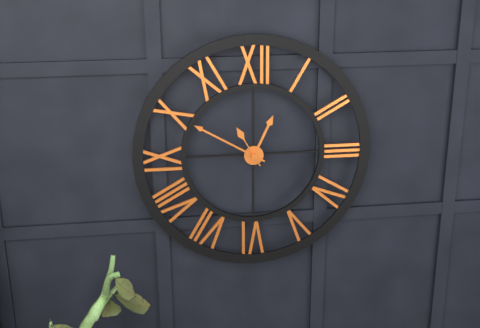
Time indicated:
**12:50**
